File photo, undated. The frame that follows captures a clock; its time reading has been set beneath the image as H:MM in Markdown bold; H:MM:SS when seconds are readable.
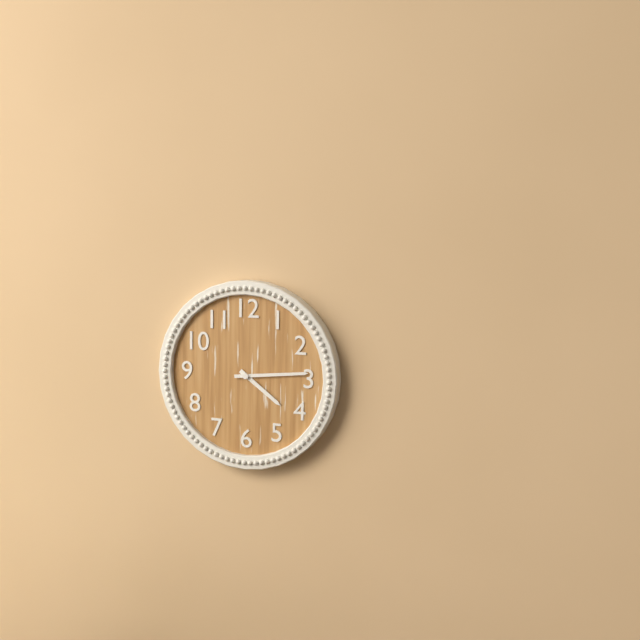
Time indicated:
**4:14**
